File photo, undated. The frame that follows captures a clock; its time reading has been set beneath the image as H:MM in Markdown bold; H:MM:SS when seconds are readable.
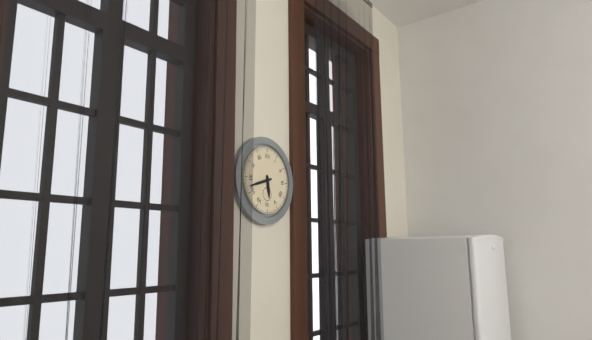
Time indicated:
**5:42**
